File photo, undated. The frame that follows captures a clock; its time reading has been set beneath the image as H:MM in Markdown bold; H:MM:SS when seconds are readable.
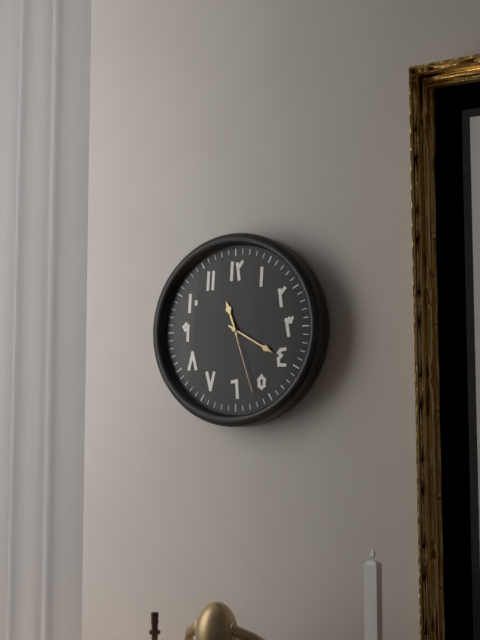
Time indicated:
**11:20:27**
